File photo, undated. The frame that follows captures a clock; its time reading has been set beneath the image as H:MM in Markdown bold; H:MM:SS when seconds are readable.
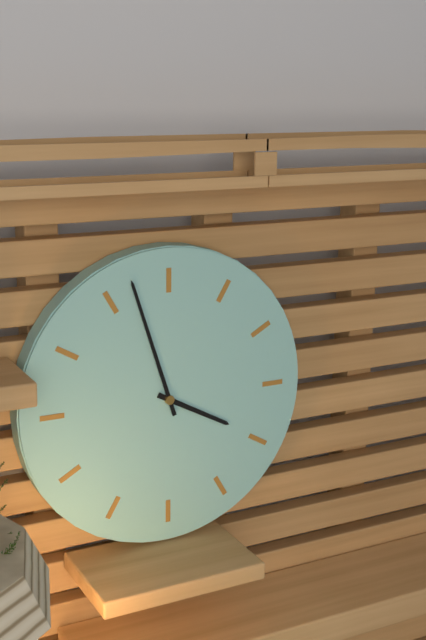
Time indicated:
**3:57**
